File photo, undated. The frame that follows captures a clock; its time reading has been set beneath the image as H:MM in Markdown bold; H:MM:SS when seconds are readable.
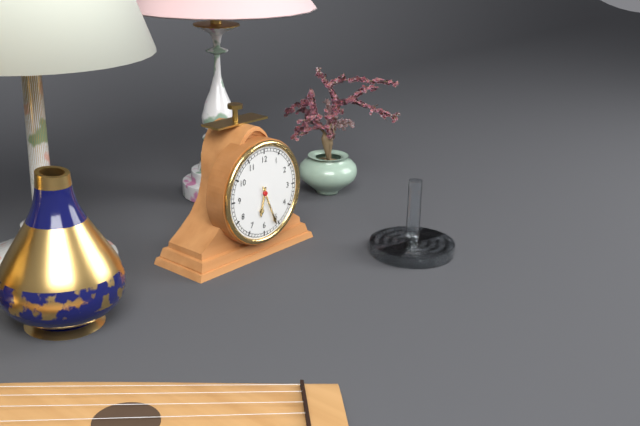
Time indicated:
**6:26**
